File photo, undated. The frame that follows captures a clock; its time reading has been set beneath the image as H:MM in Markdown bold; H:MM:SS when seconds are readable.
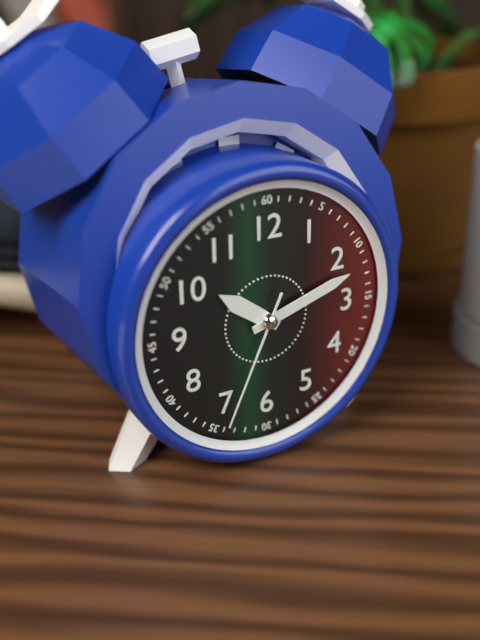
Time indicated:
**10:12:34**
